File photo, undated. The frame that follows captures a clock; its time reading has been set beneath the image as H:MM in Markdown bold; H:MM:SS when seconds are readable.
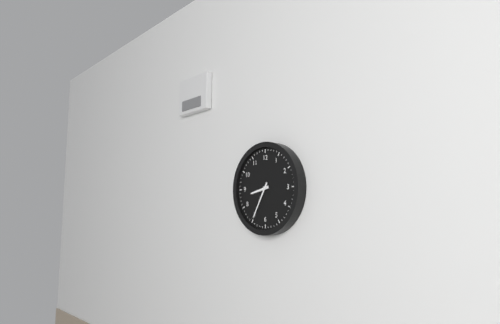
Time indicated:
**8:35**
